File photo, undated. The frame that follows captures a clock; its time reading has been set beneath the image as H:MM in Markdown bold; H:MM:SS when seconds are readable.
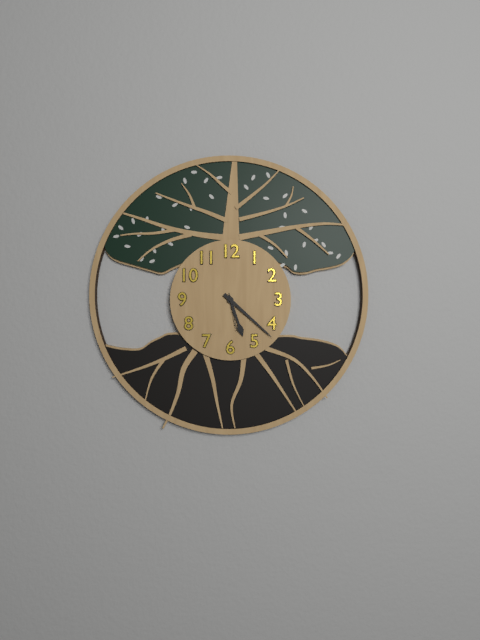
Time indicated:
**5:22**
